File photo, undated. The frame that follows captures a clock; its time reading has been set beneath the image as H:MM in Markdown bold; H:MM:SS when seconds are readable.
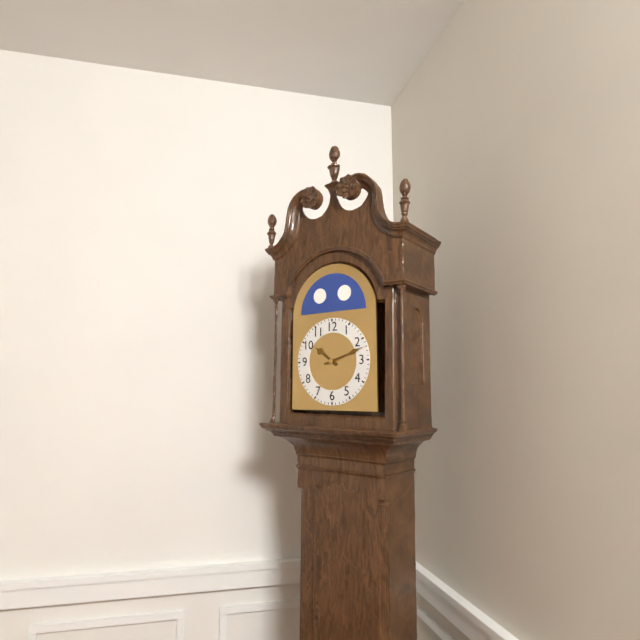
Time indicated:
**10:12**
